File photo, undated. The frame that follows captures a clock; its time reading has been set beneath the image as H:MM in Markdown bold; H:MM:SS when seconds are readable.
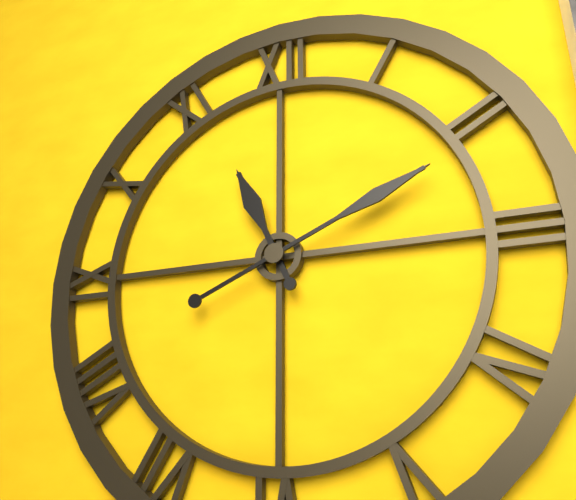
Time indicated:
**11:11**
